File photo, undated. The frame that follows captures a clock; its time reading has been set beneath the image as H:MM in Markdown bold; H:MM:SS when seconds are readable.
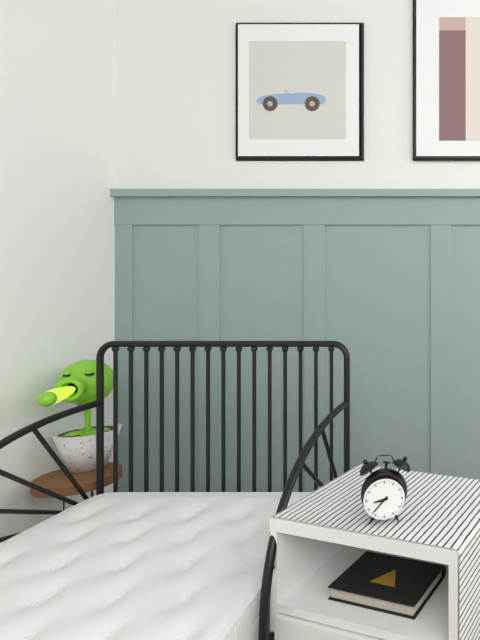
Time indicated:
**8:37**
